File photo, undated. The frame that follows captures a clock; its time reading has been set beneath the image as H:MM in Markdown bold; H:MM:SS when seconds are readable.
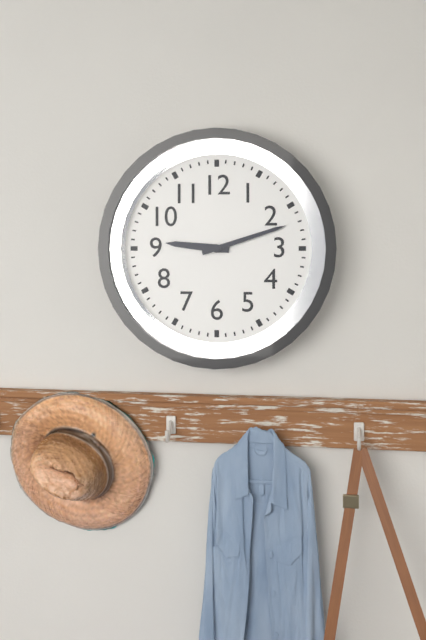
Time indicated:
**9:12**
